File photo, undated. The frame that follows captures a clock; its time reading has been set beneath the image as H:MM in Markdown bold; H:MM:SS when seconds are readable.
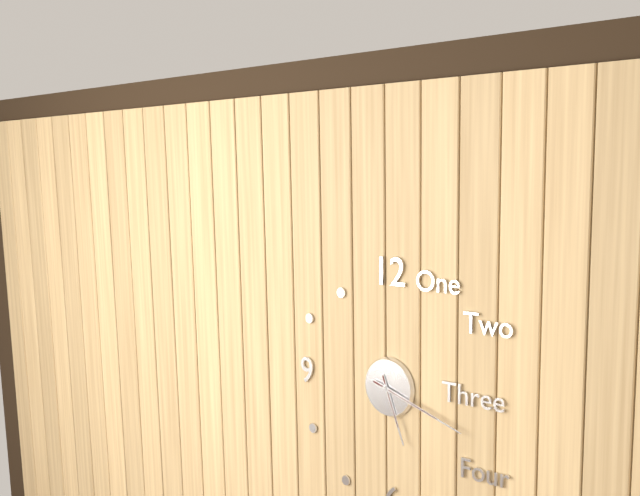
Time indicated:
**5:18**
